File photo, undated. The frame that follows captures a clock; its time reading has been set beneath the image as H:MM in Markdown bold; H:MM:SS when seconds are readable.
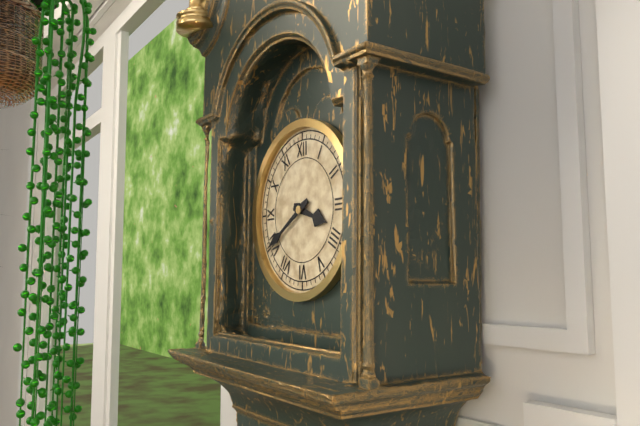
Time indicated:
**3:40**
